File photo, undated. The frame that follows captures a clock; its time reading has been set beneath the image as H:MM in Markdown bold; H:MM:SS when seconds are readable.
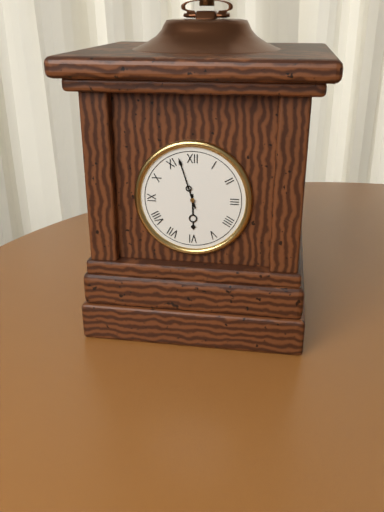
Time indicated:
**5:57**
